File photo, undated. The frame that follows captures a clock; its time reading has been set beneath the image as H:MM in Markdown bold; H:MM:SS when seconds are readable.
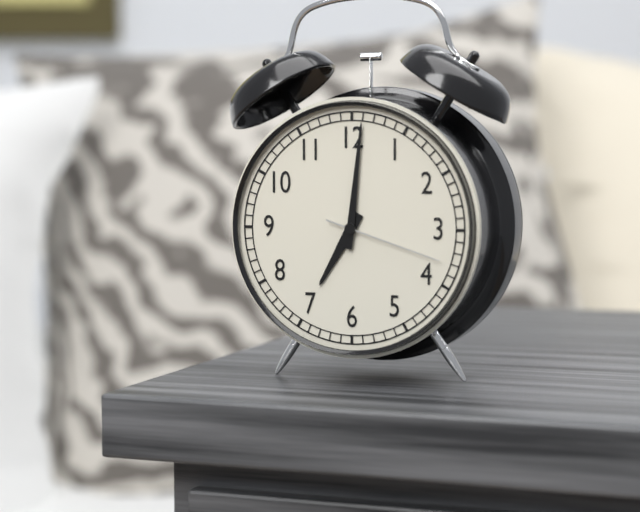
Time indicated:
**7:01:18**
